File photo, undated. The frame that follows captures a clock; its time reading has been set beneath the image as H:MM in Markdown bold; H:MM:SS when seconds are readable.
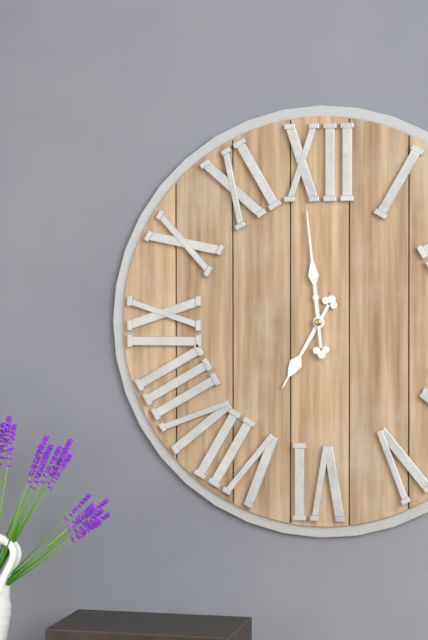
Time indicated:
**6:59**
